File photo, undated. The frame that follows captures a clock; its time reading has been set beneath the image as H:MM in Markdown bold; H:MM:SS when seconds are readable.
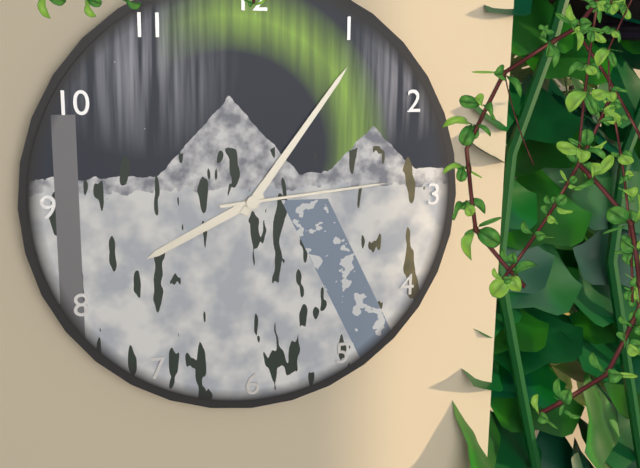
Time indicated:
**8:06:14**
